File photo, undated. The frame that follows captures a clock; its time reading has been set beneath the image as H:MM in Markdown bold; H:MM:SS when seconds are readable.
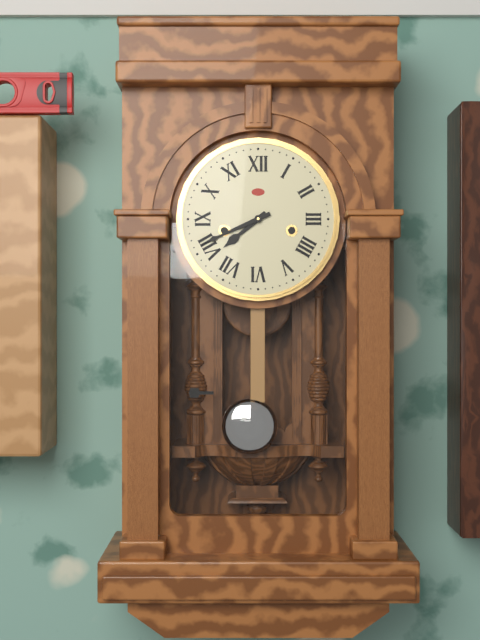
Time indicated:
**7:41**
